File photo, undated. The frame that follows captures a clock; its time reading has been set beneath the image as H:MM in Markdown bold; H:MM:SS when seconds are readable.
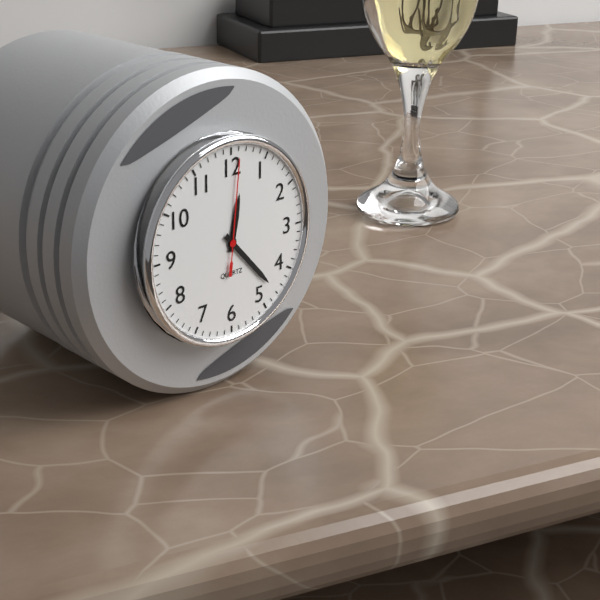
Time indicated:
**12:23:01**
